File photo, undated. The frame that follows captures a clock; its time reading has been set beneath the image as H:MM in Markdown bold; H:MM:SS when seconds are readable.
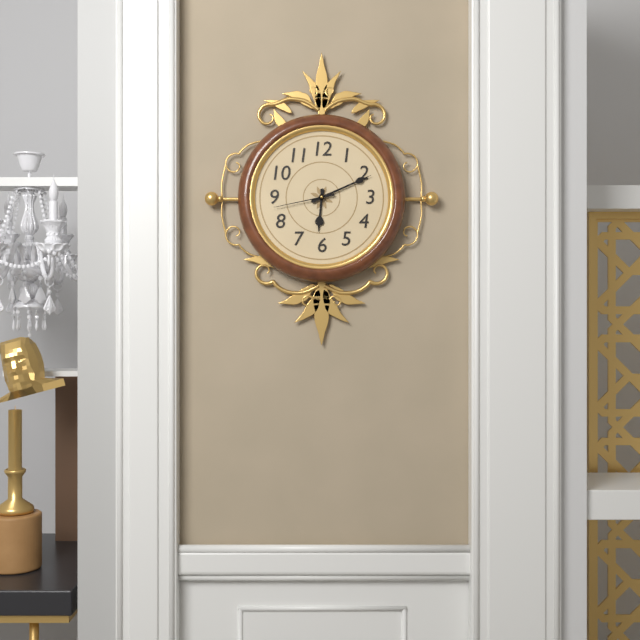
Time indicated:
**6:11:43**
